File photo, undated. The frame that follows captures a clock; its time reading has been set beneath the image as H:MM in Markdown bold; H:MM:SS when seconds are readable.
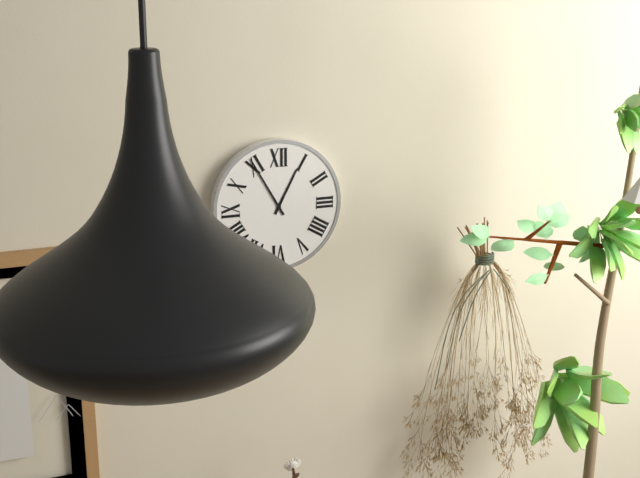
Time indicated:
**12:55**
